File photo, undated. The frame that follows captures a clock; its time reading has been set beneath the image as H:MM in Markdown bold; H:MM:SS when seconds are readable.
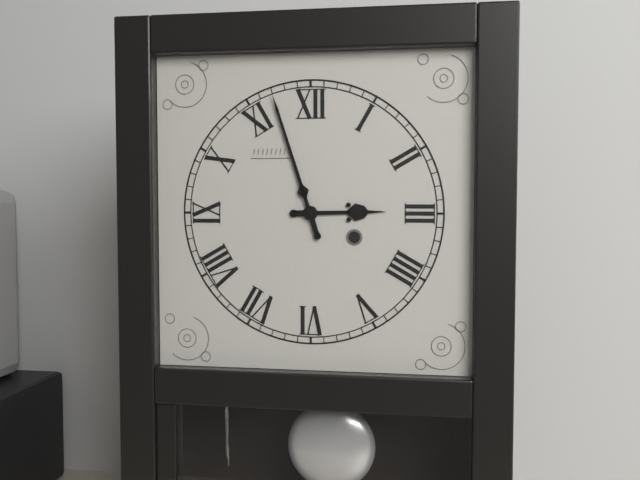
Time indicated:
**2:57**
